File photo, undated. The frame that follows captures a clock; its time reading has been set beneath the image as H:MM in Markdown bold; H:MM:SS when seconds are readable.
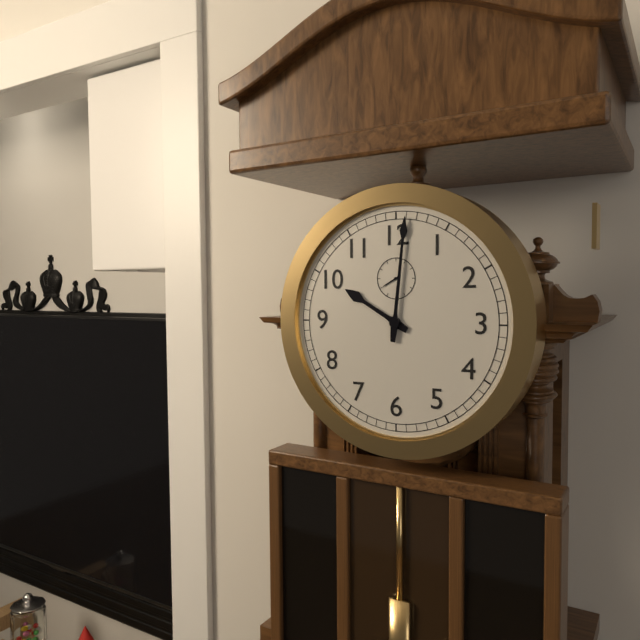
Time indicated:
**10:01**
